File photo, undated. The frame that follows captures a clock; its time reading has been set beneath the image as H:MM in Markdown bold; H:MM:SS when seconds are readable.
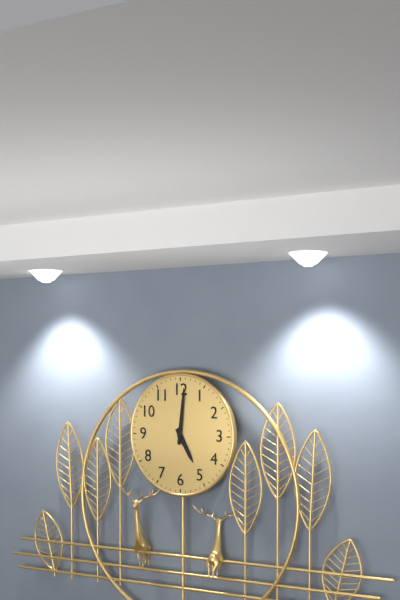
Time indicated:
**5:01**
